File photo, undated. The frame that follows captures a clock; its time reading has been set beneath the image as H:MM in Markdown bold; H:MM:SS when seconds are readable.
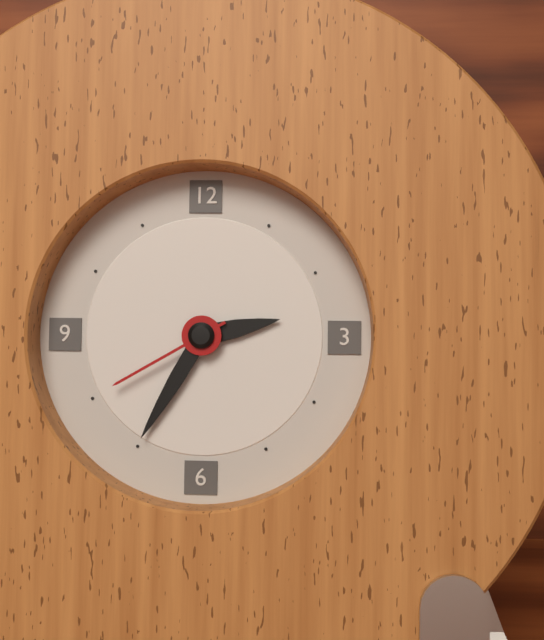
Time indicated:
**2:35:40**
